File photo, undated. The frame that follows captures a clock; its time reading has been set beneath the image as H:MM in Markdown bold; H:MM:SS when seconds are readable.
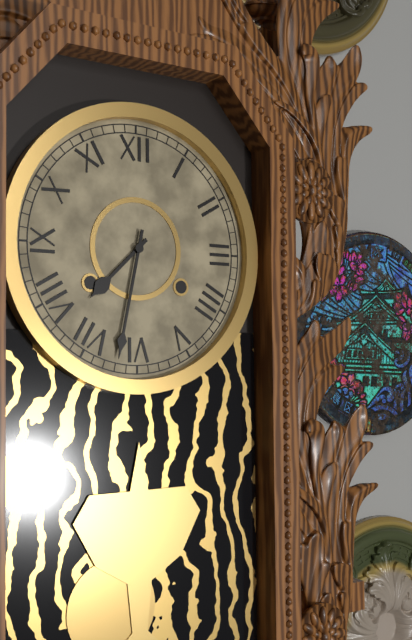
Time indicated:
**7:32**
